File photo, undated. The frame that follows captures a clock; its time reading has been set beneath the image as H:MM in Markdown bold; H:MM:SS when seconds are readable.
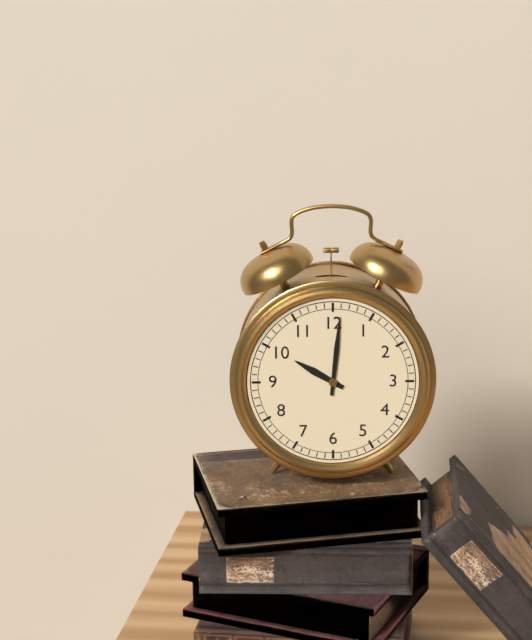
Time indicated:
**10:01**
